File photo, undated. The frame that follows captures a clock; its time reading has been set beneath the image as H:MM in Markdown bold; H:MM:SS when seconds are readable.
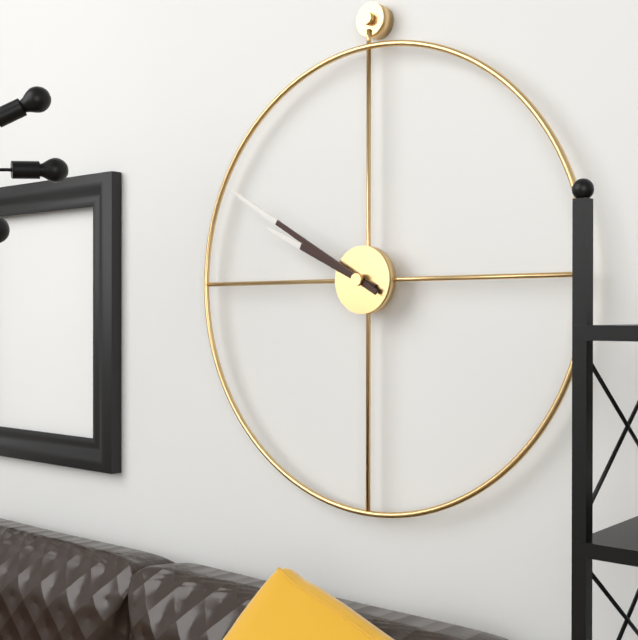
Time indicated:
**9:50**
